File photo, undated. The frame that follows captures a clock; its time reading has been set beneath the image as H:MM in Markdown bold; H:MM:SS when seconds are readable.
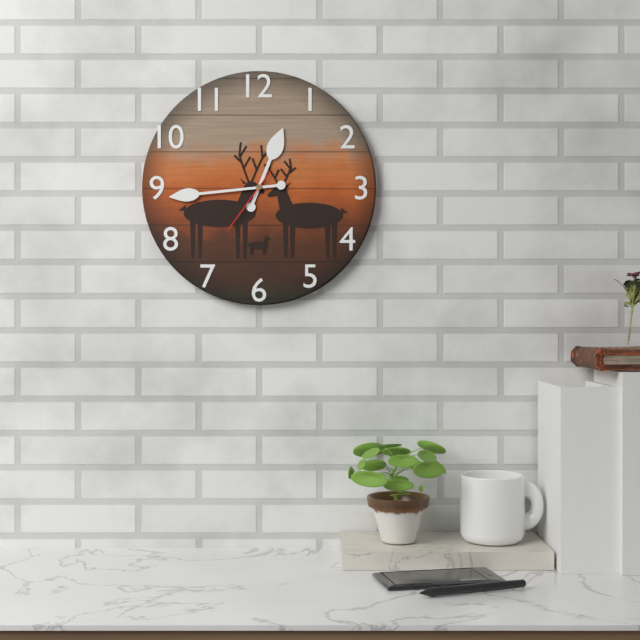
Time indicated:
**12:44:36**
